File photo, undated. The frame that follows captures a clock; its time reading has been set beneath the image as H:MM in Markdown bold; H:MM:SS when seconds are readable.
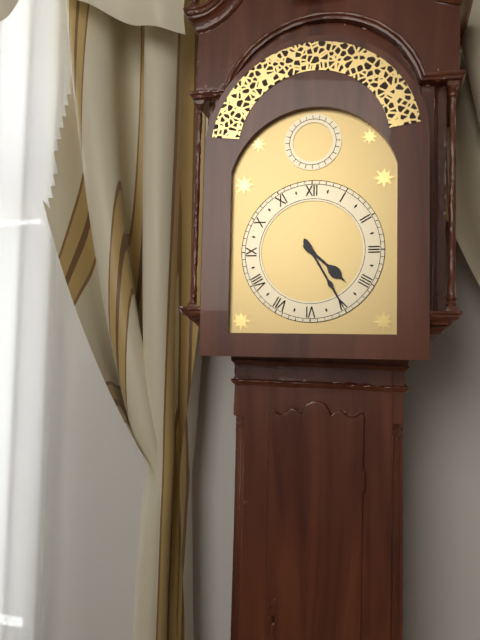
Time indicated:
**4:25**
